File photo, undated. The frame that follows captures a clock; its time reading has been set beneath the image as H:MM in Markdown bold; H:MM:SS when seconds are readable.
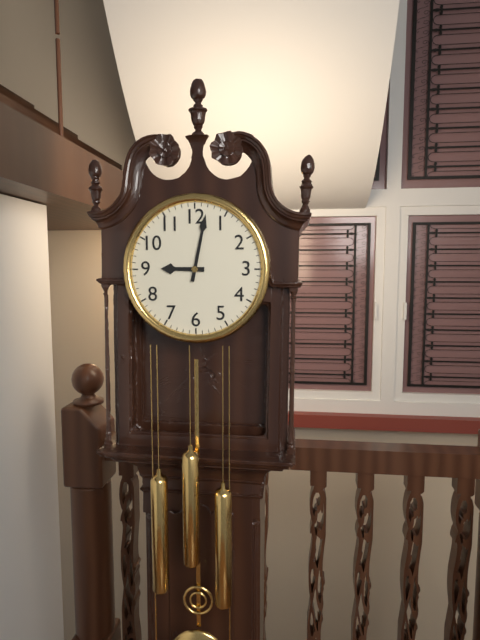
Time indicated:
**9:02**
